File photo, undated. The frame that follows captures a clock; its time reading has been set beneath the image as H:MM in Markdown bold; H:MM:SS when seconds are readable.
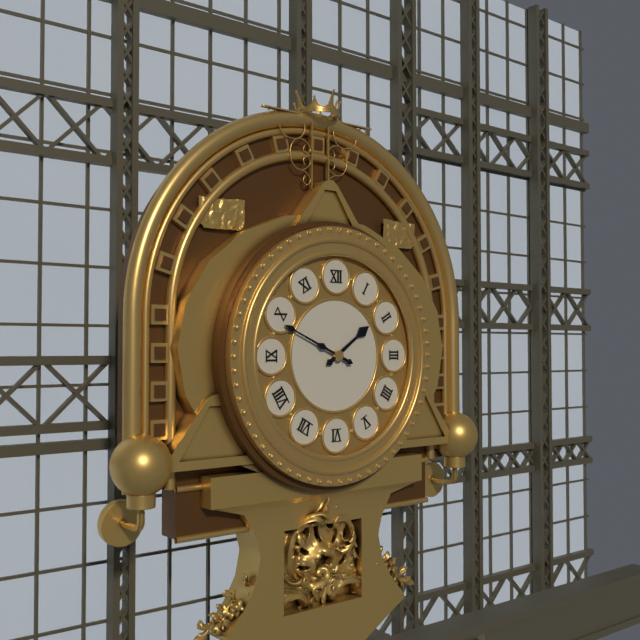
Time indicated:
**1:49**
